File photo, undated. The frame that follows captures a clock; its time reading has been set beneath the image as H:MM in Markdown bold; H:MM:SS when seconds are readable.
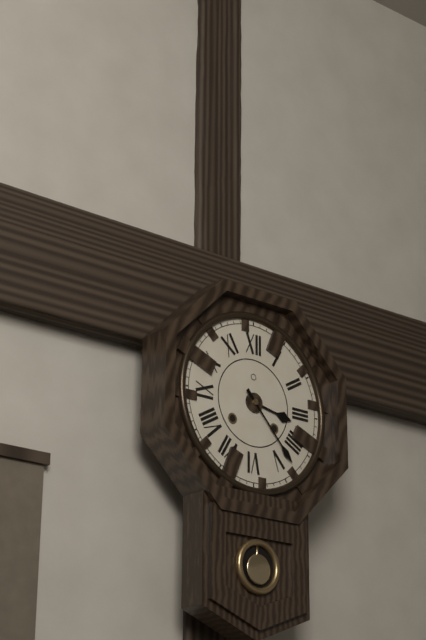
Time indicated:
**3:23**
